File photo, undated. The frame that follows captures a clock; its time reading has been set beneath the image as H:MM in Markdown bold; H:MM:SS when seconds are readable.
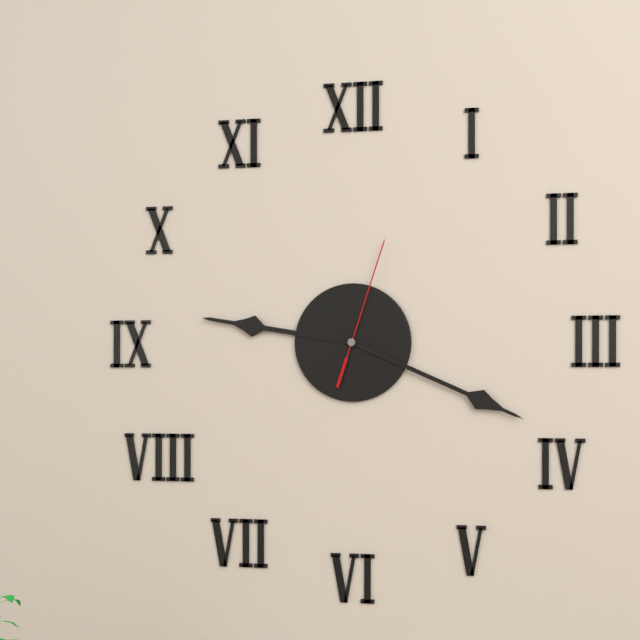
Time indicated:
**9:19:03**
